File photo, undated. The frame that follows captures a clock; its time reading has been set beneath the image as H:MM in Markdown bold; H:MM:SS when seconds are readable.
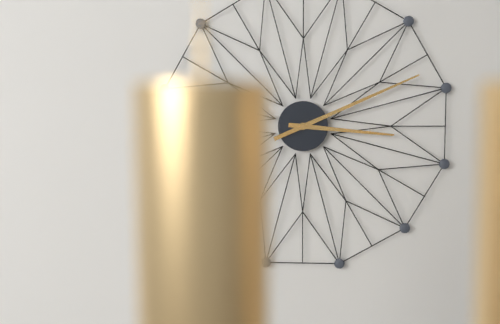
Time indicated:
**3:11**
